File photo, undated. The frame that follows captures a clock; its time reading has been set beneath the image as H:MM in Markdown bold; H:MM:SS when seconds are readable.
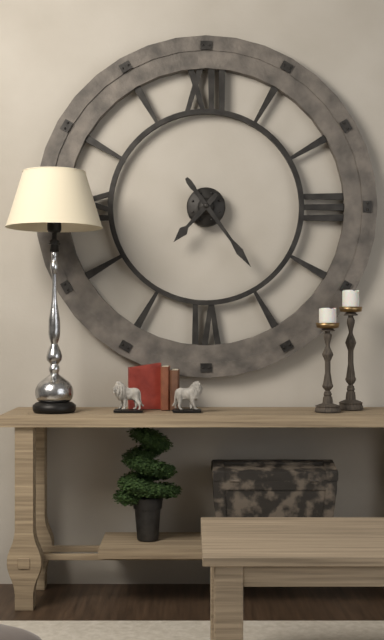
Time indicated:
**7:24**
